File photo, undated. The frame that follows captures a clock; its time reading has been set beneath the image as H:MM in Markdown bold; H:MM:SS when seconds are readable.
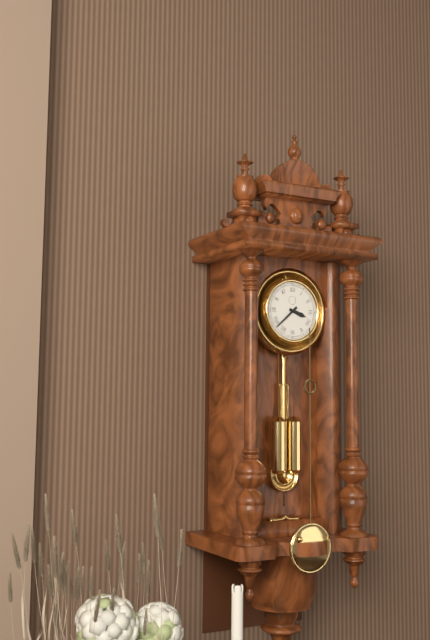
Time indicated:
**3:38**
